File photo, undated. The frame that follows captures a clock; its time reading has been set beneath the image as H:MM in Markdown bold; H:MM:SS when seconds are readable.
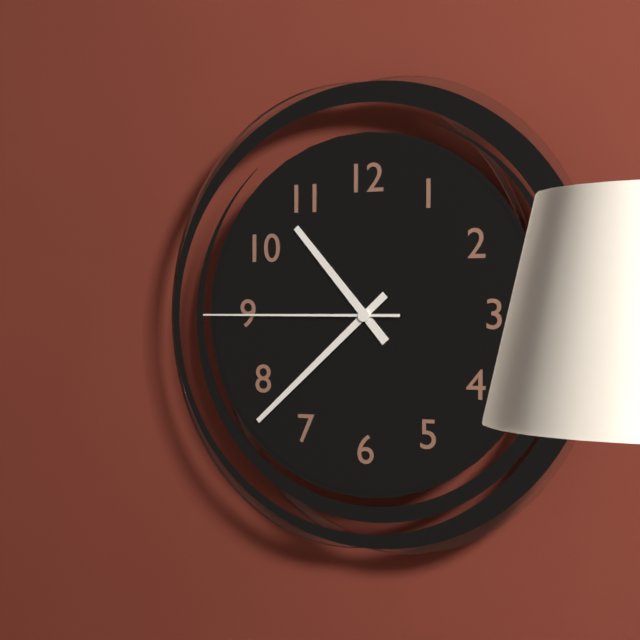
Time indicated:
**10:38:45**
